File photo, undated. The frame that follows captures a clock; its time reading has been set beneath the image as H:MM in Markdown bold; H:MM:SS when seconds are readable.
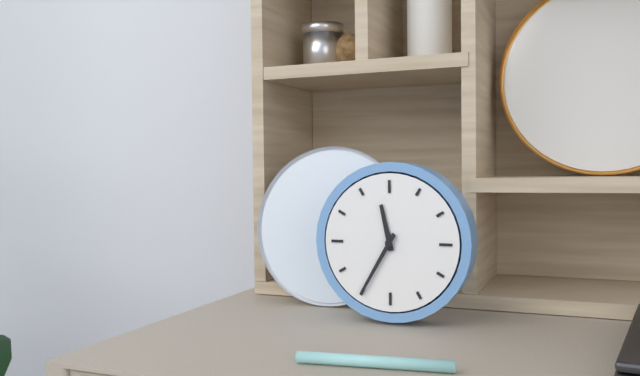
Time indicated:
**11:35**
